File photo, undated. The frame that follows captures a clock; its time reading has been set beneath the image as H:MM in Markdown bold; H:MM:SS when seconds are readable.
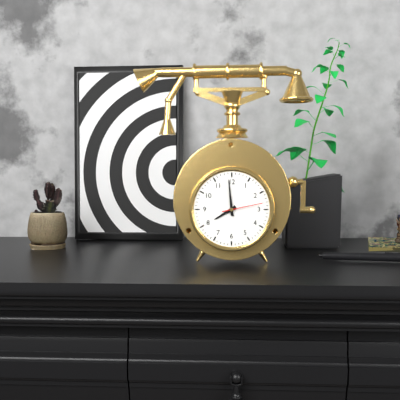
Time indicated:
**7:59**
